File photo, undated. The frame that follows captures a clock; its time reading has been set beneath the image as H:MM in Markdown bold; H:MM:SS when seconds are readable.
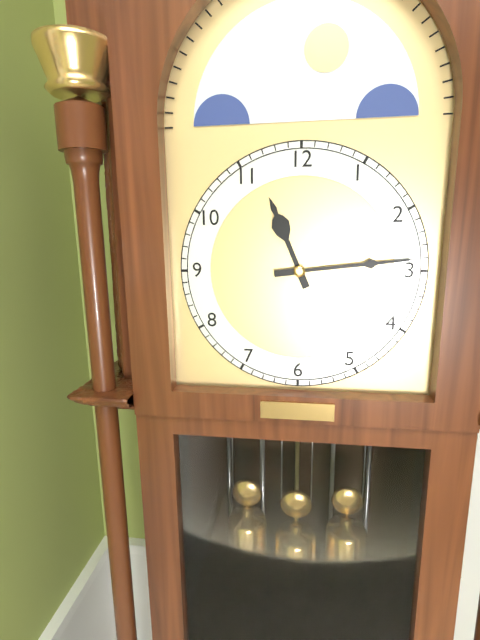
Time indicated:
**11:14**
